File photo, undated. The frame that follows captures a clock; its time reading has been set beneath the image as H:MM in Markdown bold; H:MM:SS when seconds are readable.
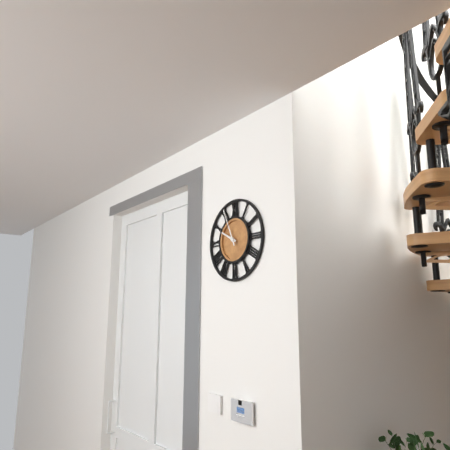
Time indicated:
**9:56**
